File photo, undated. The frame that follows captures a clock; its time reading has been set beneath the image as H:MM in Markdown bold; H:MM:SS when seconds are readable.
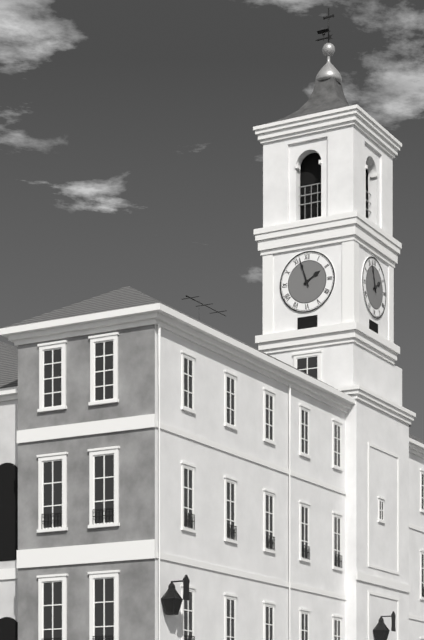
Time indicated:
**1:57**
